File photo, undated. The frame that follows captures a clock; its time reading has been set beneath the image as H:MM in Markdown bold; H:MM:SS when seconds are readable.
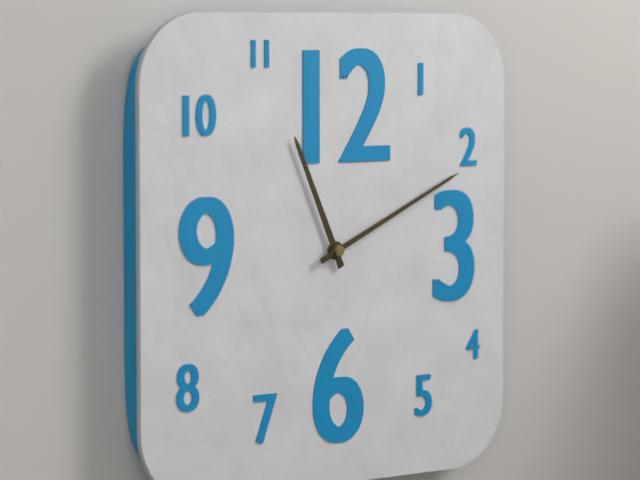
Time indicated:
**11:11**
